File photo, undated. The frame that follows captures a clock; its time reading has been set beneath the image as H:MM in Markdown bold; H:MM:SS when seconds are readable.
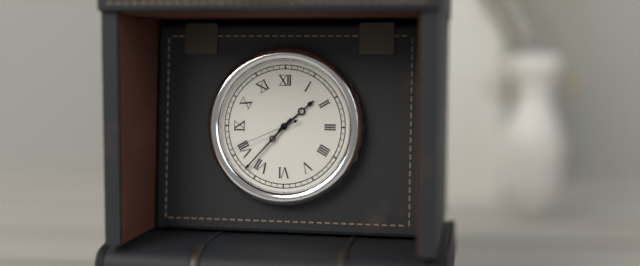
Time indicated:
**1:37:41**
